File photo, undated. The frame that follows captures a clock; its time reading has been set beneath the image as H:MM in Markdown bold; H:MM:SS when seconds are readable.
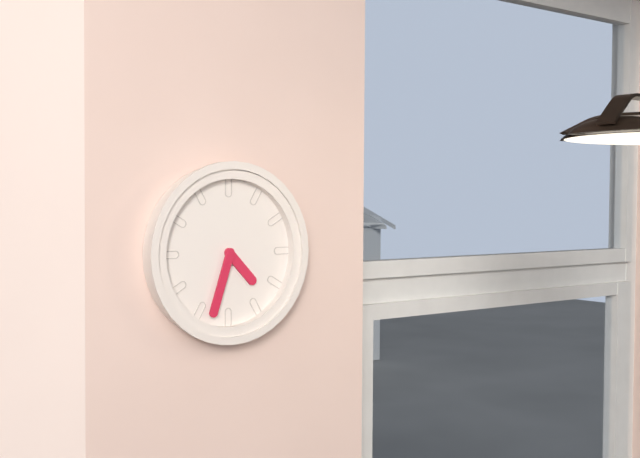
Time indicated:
**4:33**
